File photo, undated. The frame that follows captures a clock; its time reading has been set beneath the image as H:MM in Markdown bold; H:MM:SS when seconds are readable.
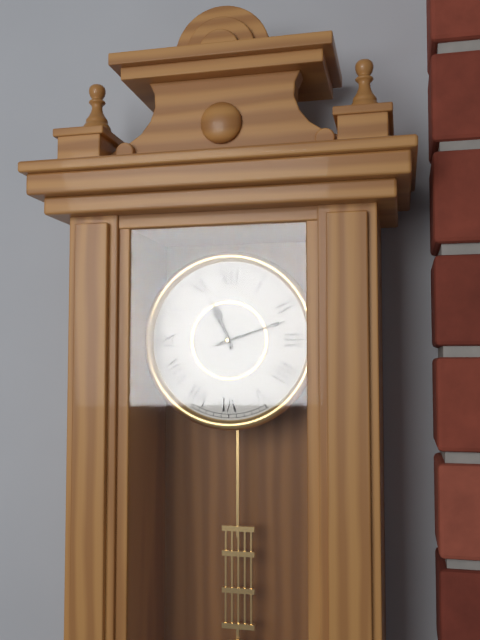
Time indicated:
**11:12**
